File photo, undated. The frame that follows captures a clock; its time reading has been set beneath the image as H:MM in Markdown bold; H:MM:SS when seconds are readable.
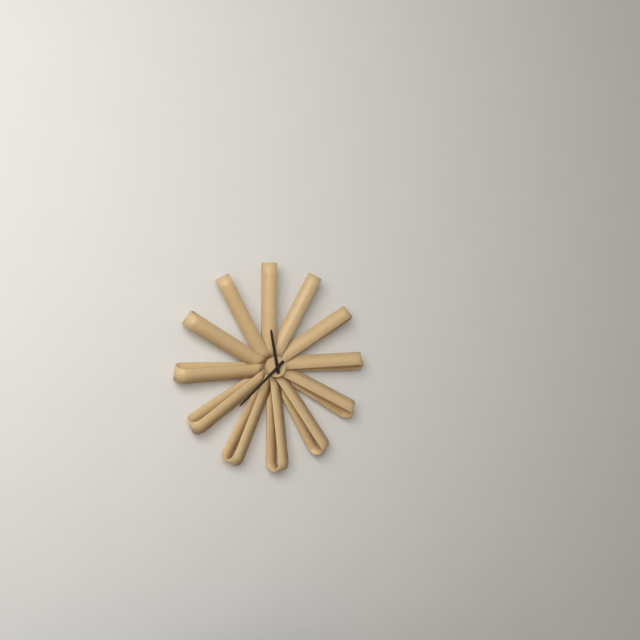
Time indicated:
**11:38**
